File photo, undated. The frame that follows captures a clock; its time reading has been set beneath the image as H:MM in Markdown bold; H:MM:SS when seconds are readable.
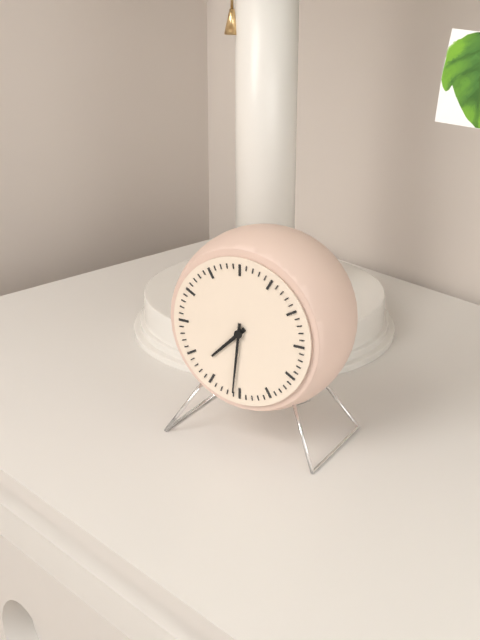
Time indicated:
**7:31**
